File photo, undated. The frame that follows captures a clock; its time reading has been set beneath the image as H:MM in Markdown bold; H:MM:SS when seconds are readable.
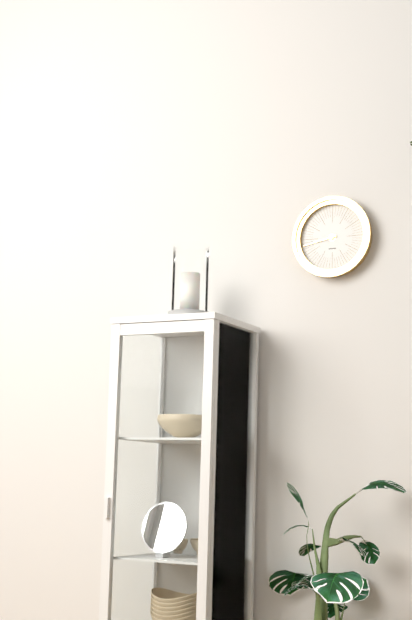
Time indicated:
**8:43**
